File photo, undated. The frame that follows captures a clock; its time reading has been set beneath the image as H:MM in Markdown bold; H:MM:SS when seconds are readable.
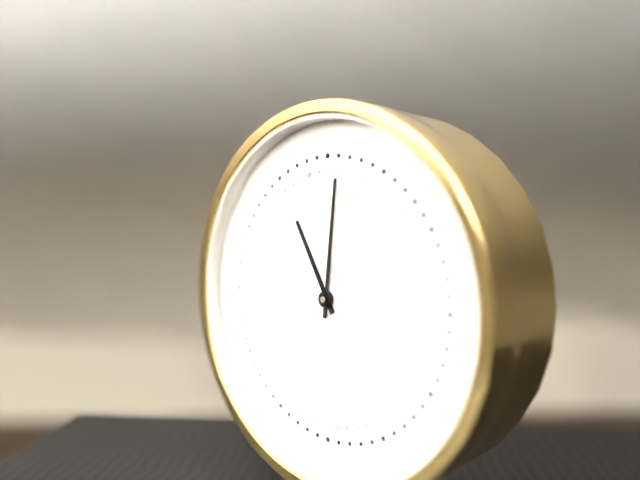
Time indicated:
**11:01**
